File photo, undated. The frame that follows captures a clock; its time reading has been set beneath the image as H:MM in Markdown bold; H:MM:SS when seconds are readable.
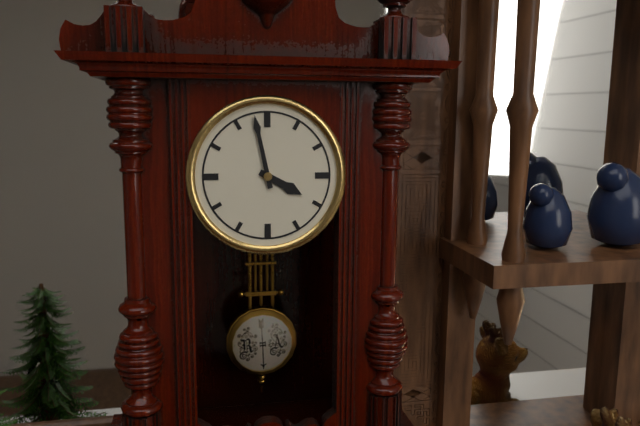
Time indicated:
**3:58**
